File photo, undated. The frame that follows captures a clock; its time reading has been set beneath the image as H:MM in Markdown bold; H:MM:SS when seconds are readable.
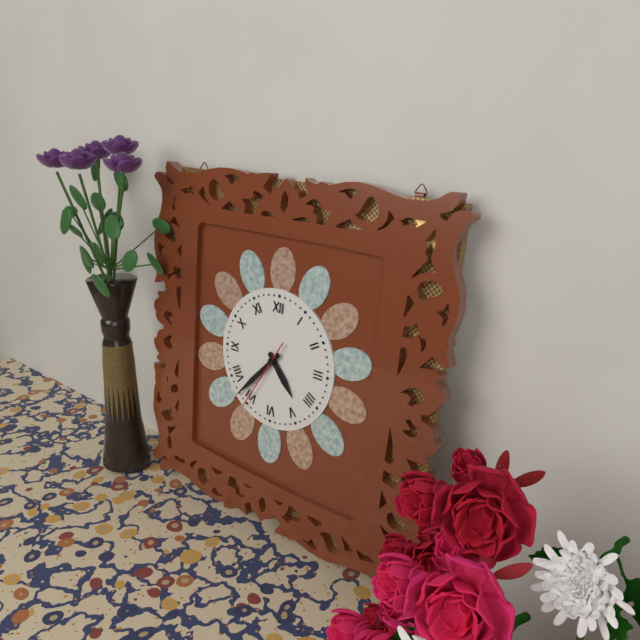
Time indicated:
**4:37:35**
